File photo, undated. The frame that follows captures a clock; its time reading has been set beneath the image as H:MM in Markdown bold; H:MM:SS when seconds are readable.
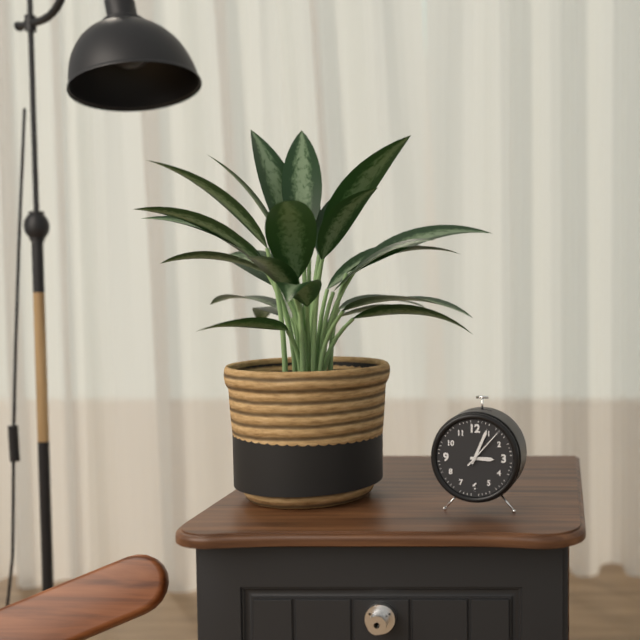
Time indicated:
**3:04**
